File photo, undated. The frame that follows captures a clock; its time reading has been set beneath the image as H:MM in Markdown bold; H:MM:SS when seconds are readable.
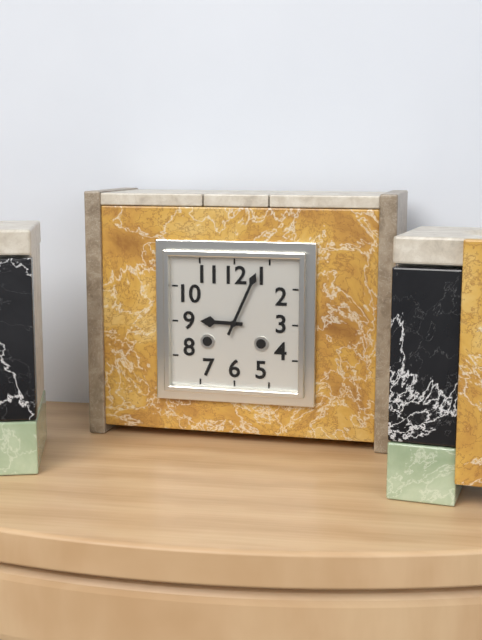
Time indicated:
**9:04**
